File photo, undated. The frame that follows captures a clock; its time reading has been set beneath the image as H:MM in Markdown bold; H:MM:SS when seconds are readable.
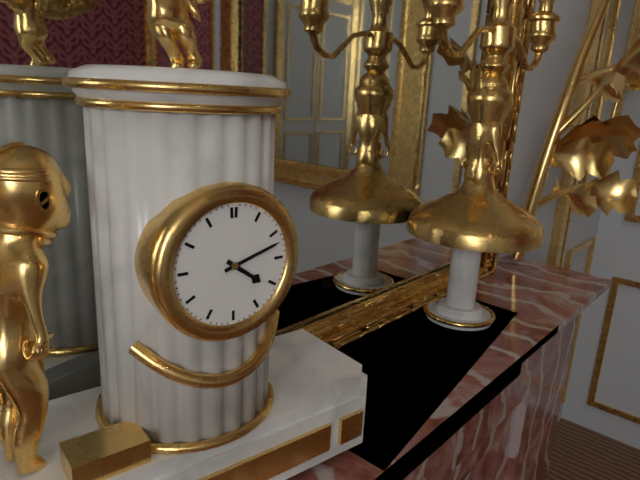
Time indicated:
**4:12**
